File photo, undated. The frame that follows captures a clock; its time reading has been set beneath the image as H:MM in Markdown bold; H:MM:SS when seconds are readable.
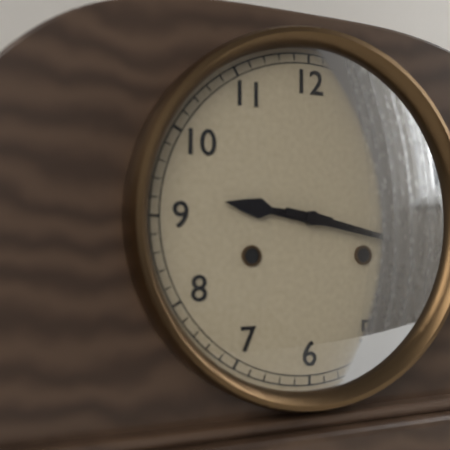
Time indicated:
**9:17**
